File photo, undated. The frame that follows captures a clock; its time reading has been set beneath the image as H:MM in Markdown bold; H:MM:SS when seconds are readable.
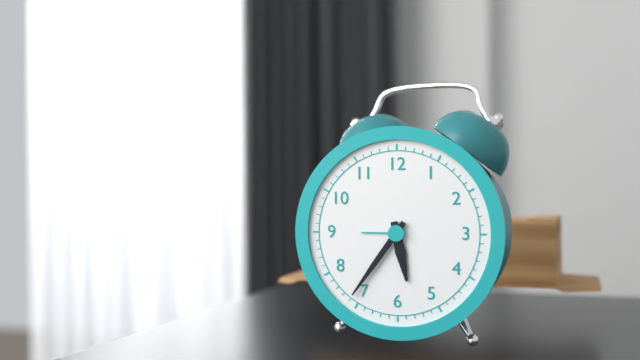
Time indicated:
**5:36**
